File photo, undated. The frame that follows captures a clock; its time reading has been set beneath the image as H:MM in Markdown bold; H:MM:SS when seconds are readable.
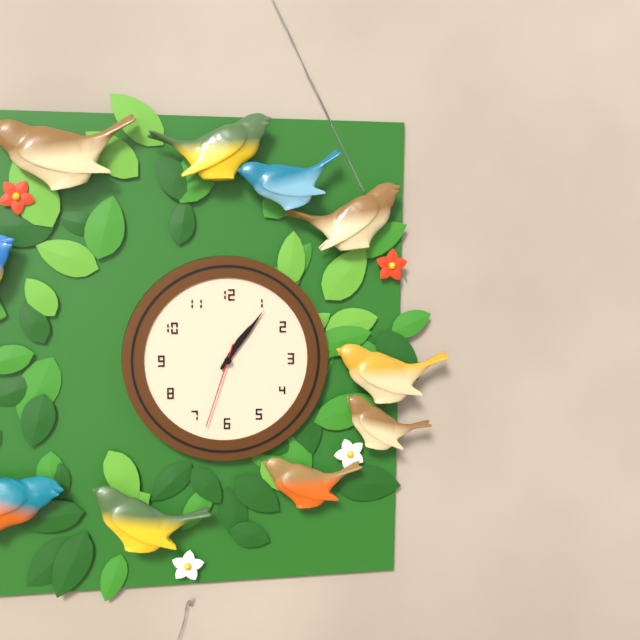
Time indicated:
**1:06:33**
